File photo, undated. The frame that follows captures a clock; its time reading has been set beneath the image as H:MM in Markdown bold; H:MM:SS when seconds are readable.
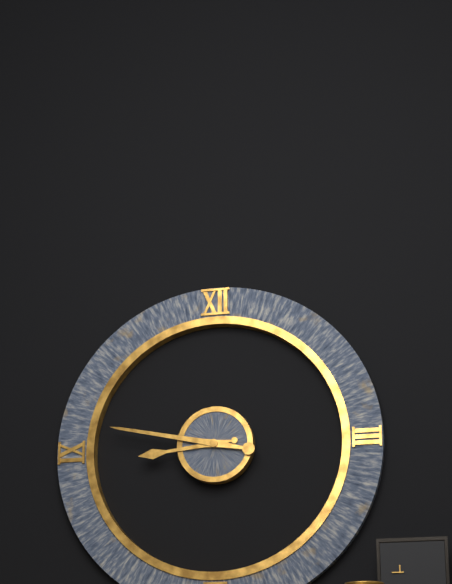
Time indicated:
**8:47**
